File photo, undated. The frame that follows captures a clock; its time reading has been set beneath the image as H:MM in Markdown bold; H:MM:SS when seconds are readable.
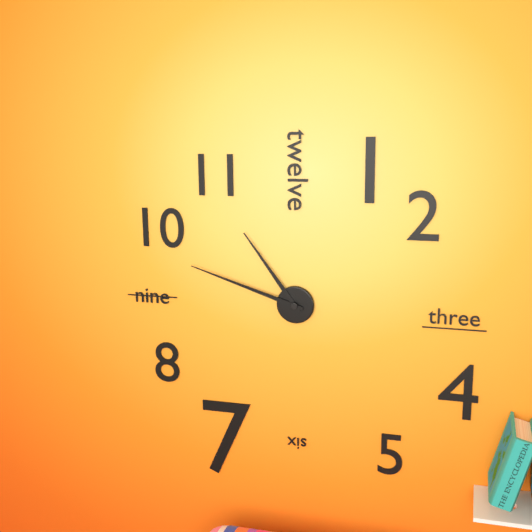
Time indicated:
**10:48**
